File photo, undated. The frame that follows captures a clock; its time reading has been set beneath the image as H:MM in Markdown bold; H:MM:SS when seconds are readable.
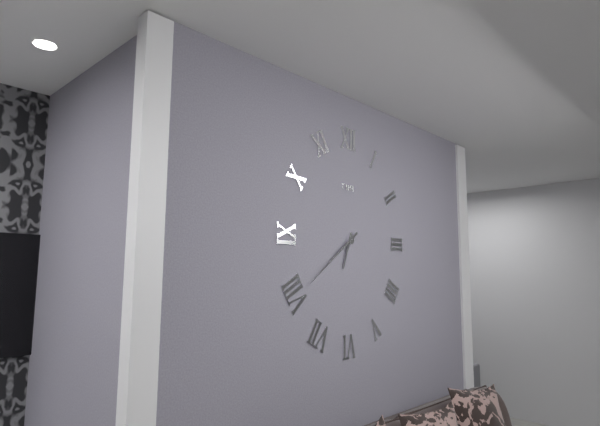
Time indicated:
**6:39**
